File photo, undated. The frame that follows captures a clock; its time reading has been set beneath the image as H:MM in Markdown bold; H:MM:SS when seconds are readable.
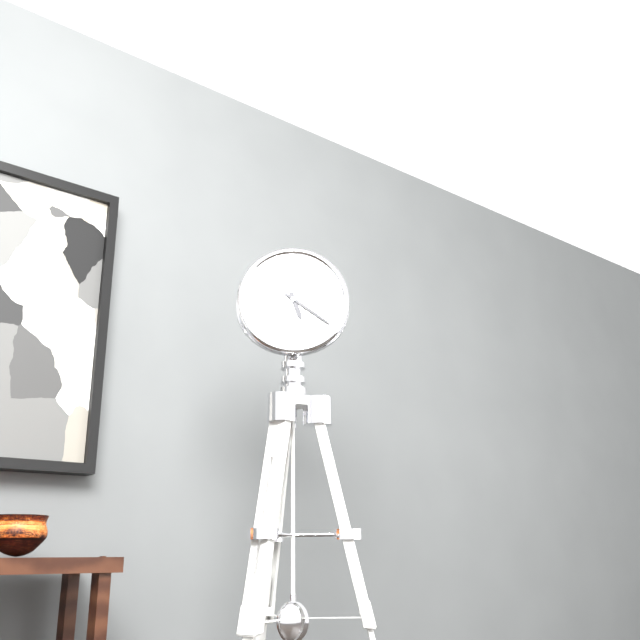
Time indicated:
**5:21**
